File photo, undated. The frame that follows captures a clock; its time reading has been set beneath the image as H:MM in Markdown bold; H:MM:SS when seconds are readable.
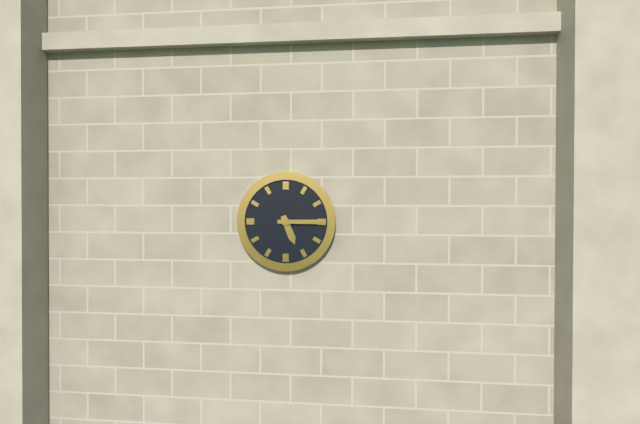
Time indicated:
**5:15**
